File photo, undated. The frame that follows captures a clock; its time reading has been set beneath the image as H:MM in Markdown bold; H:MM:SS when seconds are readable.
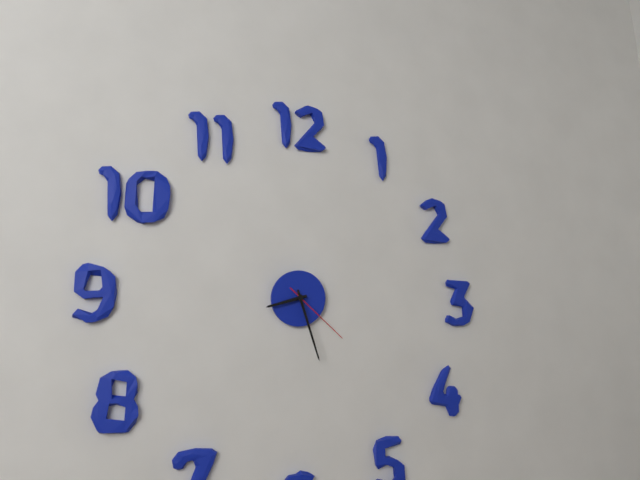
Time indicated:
**8:27:22**
